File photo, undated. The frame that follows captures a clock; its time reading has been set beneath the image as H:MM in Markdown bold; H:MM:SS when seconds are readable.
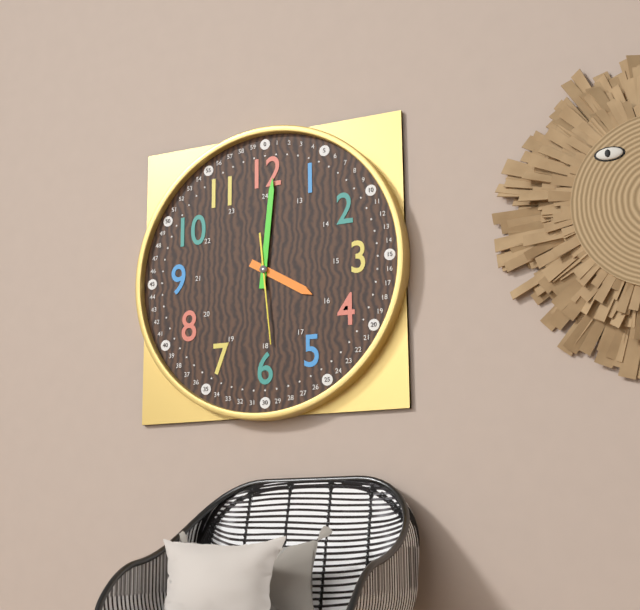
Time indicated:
**4:01:29**
